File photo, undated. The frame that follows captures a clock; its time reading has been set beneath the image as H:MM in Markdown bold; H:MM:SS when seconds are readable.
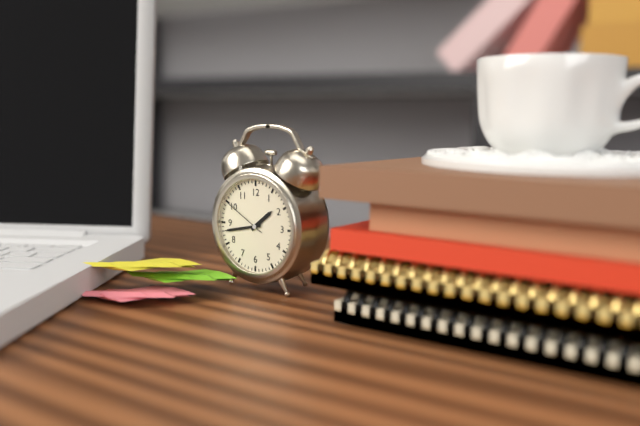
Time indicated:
**1:43**
